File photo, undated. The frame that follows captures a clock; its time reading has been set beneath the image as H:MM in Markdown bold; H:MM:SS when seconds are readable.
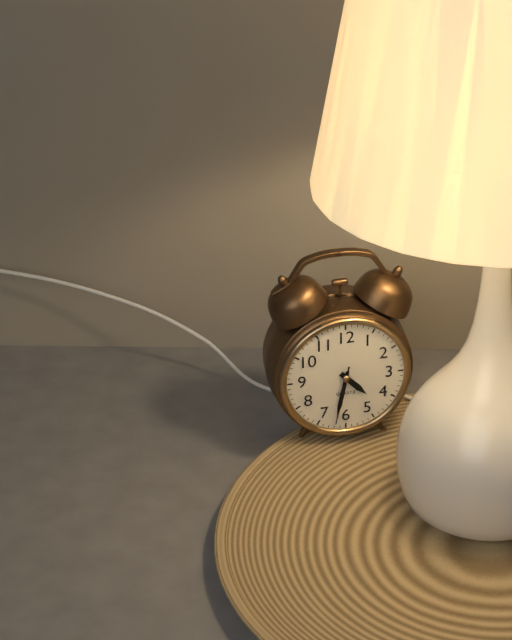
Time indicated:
**4:32:32**
